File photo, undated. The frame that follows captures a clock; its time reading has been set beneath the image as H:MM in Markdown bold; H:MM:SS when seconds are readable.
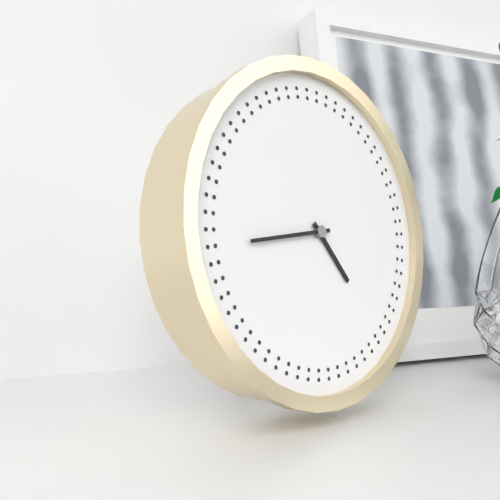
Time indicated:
**4:44**
